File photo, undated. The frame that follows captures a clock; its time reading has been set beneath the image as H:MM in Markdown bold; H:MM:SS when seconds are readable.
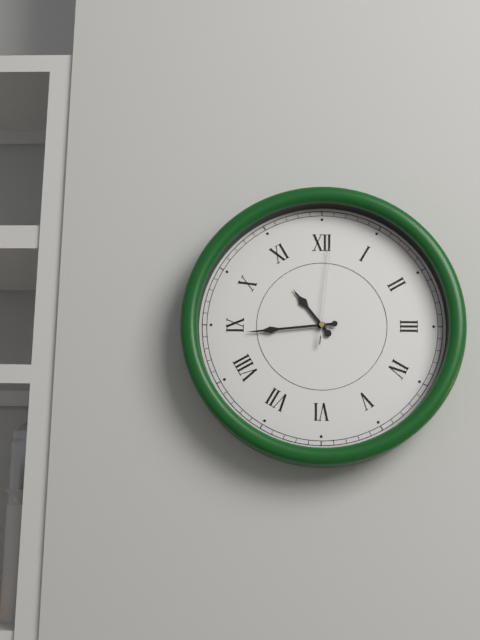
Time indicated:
**10:44:01**
